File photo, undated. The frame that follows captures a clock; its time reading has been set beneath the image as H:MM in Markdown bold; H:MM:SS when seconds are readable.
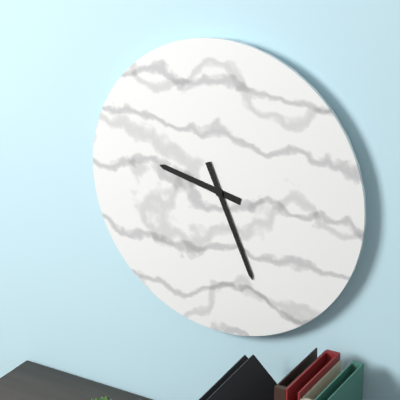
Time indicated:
**9:26**
